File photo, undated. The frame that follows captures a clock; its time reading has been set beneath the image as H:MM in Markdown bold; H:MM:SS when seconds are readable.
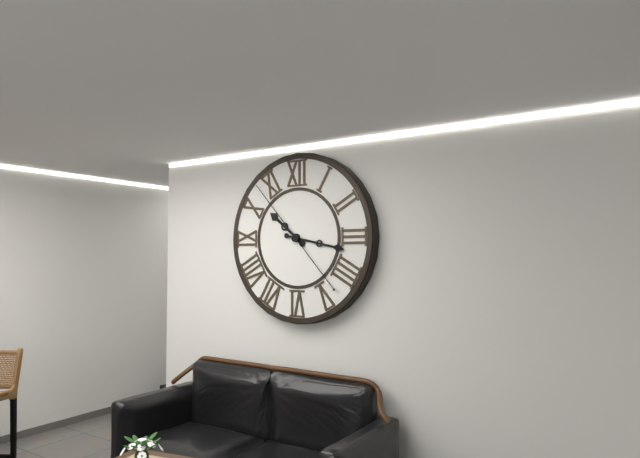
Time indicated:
**10:17:53**
